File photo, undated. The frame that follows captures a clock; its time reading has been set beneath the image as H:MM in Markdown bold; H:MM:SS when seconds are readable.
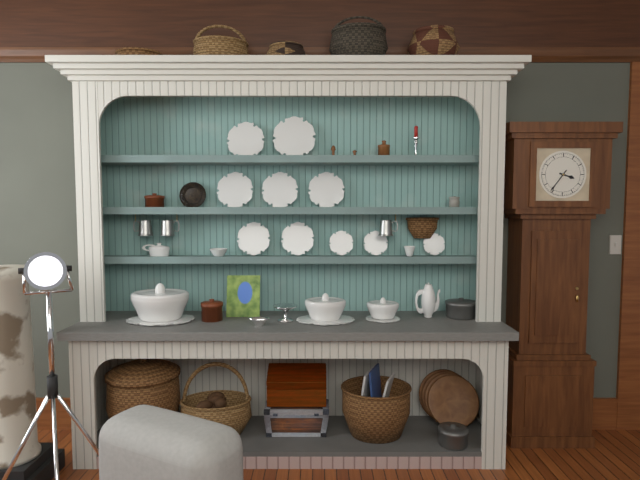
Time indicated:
**3:36**
